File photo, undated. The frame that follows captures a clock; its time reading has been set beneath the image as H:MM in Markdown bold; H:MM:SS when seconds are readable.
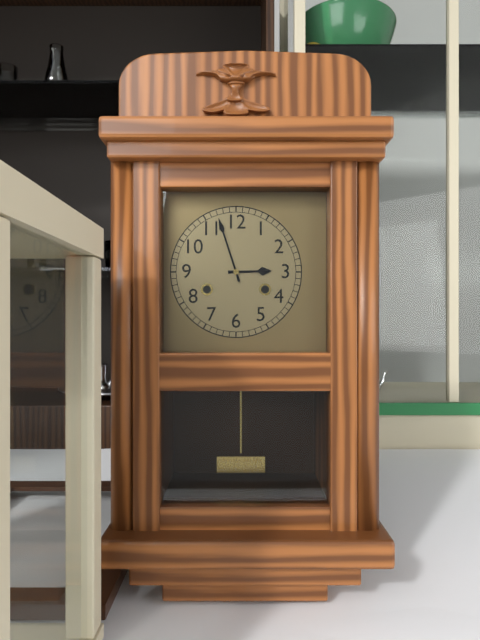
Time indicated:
**2:57**
